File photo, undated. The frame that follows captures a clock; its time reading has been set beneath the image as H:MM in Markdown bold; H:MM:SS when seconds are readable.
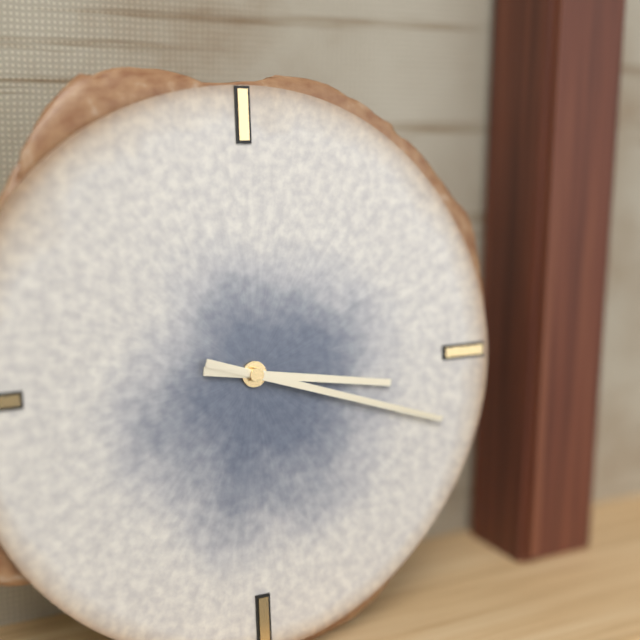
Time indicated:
**3:18**
